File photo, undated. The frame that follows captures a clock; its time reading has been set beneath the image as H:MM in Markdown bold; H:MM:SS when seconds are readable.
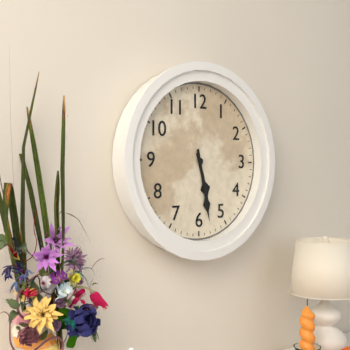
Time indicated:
**5:28**
